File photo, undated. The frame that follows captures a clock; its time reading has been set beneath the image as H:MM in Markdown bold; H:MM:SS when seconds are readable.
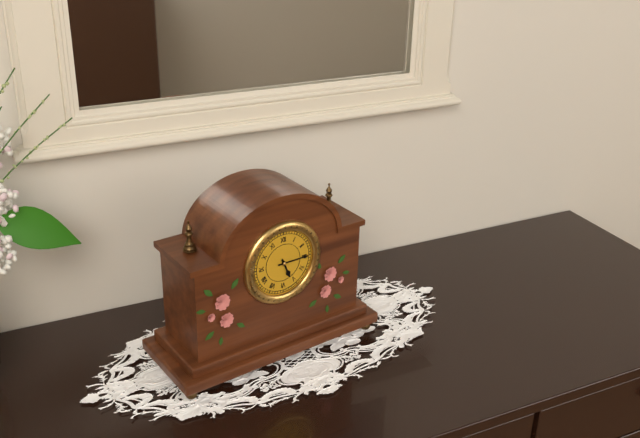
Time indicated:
**5:15**
